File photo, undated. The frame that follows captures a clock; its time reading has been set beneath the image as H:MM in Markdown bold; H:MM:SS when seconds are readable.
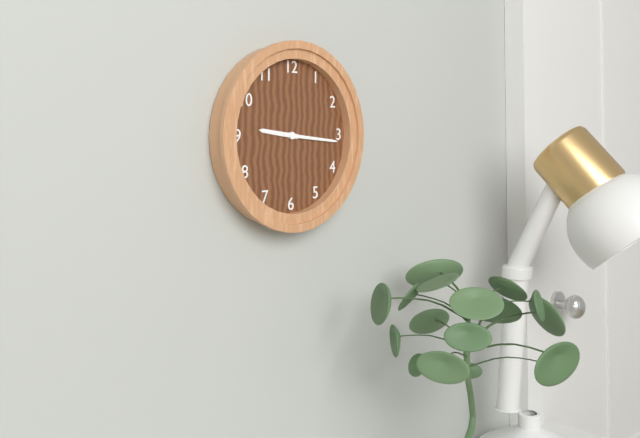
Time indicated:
**9:16**
